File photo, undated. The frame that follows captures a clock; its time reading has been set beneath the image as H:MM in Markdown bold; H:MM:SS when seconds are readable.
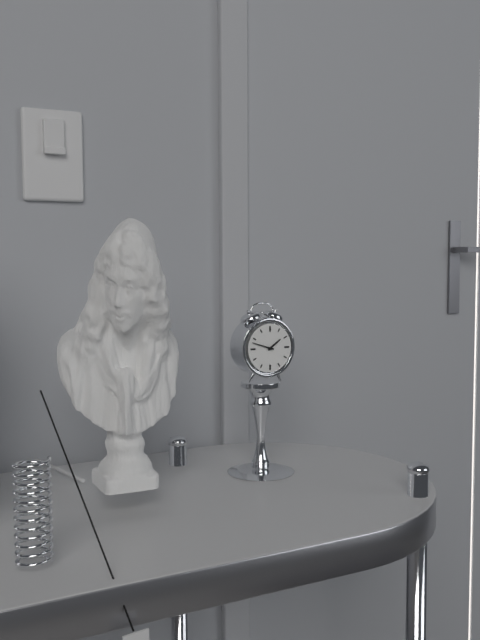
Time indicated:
**1:48**
